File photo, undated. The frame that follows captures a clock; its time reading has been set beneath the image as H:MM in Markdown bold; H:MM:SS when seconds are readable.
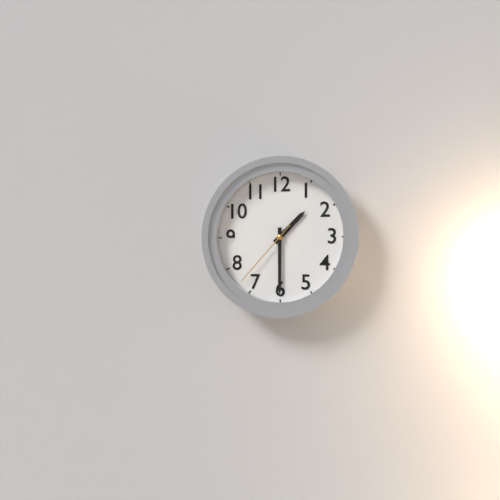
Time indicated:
**1:30:37**
